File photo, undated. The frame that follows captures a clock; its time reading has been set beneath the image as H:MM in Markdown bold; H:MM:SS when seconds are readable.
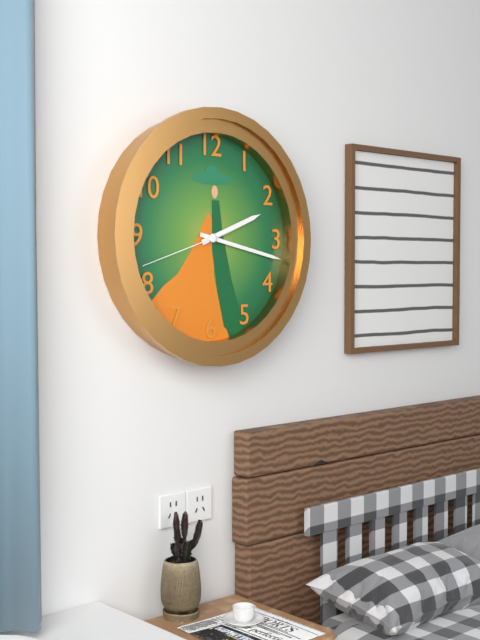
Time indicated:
**2:17:42**
